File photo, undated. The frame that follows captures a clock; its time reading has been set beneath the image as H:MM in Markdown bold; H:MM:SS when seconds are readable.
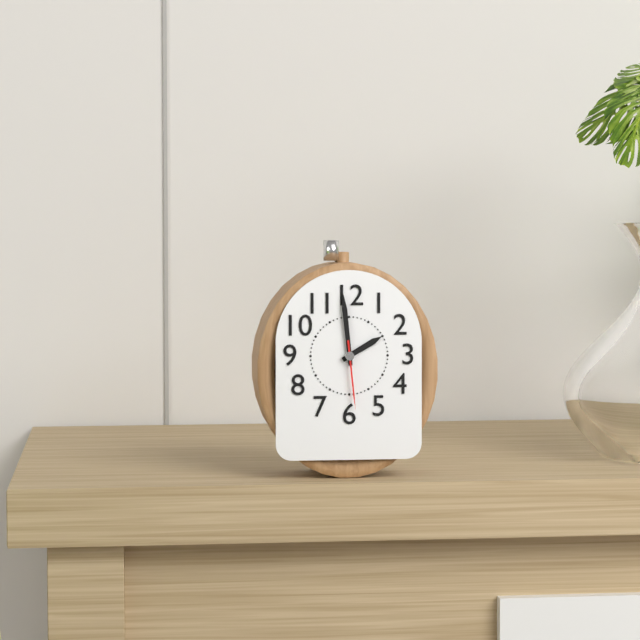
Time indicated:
**1:59:29**
